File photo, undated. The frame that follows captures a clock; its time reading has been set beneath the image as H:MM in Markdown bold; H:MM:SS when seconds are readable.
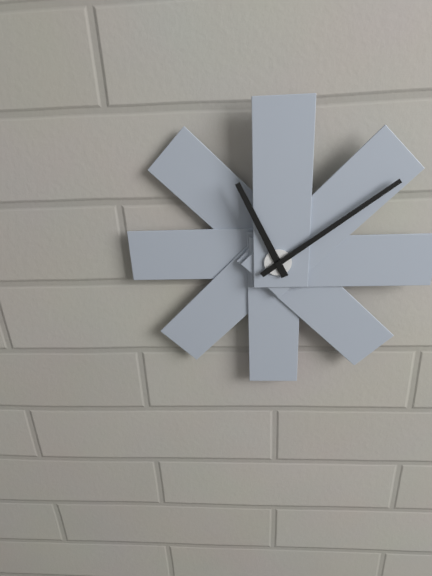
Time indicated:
**11:09**
